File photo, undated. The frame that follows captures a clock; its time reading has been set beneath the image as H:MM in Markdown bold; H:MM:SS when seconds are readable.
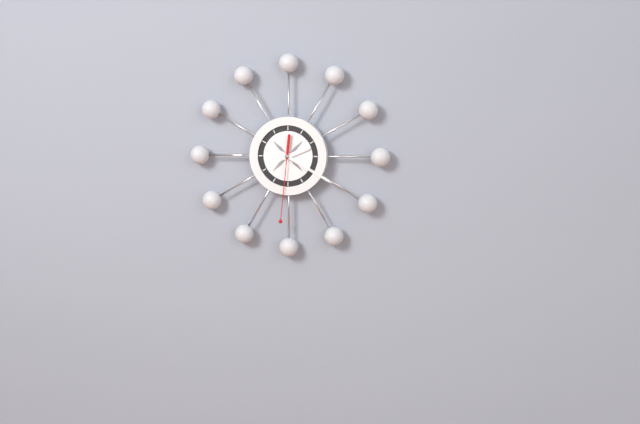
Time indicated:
**2:20:31**
